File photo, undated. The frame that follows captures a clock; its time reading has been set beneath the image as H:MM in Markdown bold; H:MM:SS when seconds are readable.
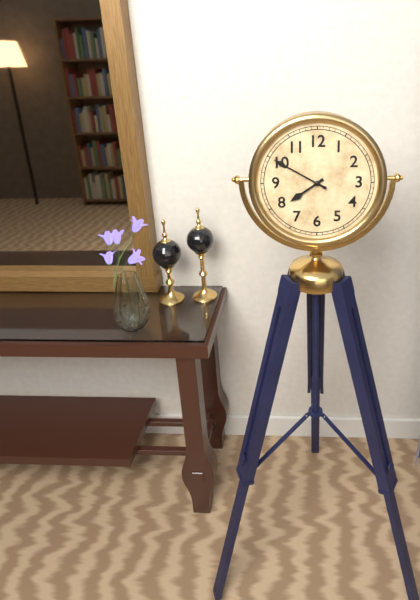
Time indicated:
**7:50**
